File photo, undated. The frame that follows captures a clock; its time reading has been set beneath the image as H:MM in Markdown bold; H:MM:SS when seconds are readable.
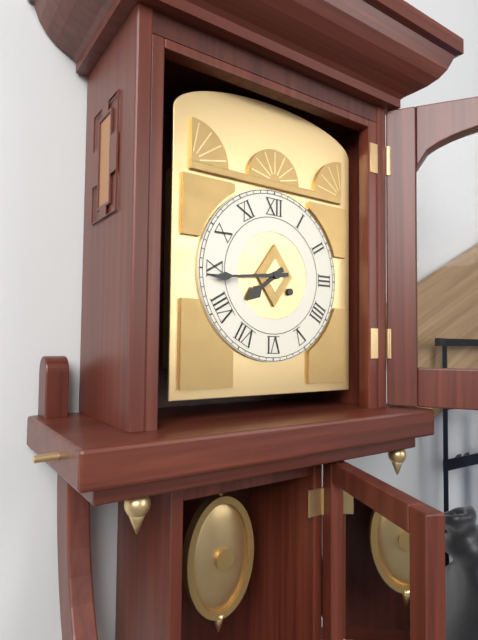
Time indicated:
**7:44**
